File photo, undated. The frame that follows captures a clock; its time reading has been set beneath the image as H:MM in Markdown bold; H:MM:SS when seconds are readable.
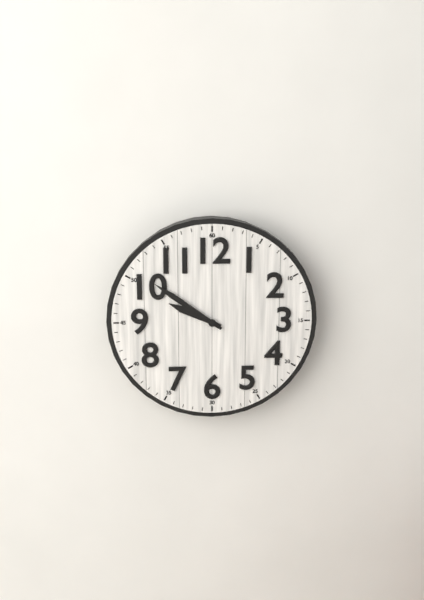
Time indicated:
**9:51**
